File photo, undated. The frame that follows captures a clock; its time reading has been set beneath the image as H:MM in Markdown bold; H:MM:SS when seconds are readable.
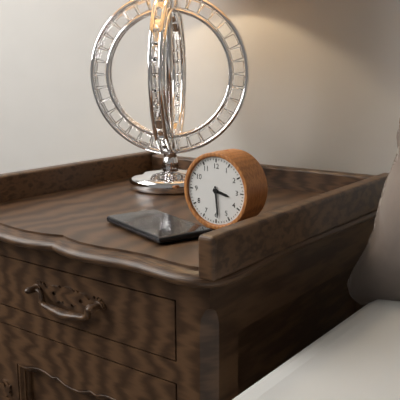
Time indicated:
**3:29**
